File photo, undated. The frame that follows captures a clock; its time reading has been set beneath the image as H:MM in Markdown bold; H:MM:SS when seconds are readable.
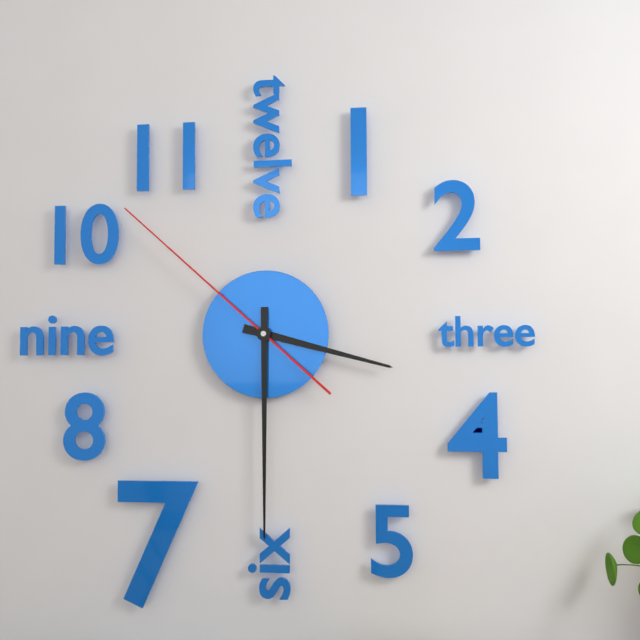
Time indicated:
**3:30:52**
